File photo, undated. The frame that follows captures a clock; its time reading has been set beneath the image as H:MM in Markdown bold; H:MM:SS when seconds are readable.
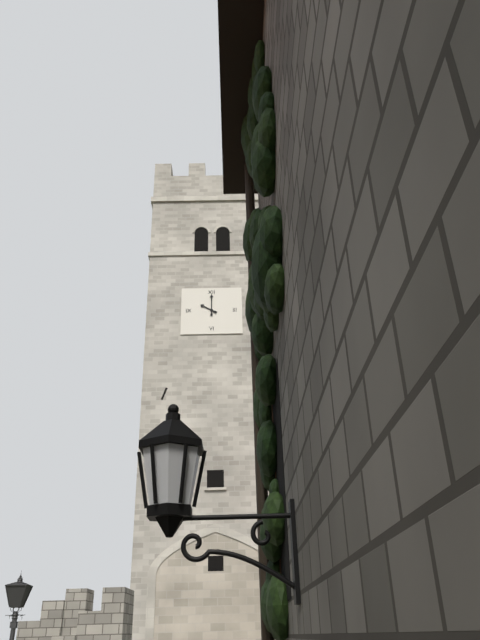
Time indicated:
**10:00**
